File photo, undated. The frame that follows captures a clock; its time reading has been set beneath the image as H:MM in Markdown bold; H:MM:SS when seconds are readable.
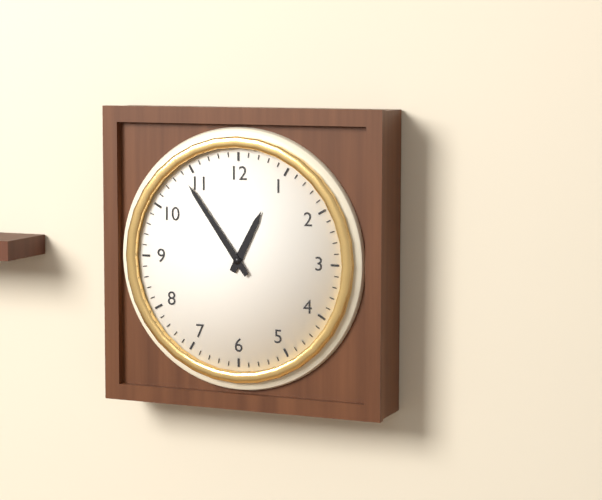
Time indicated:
**12:54**
